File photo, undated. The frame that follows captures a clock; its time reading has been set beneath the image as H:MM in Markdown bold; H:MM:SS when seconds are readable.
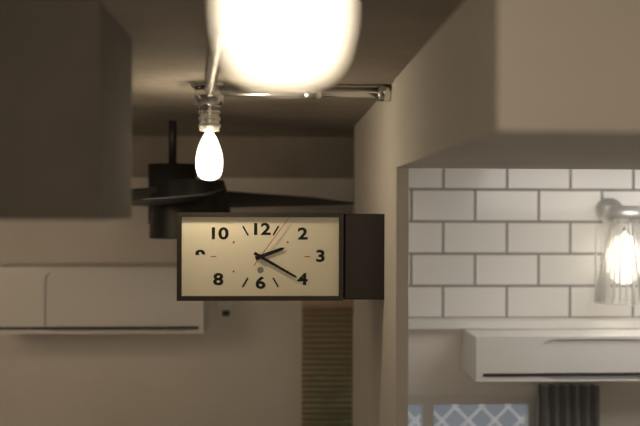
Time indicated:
**2:20:06**
